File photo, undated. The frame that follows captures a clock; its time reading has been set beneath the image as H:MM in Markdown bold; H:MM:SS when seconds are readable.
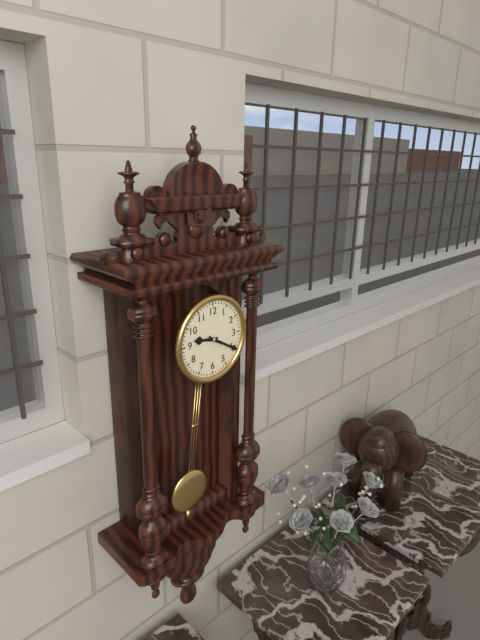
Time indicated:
**9:20**
